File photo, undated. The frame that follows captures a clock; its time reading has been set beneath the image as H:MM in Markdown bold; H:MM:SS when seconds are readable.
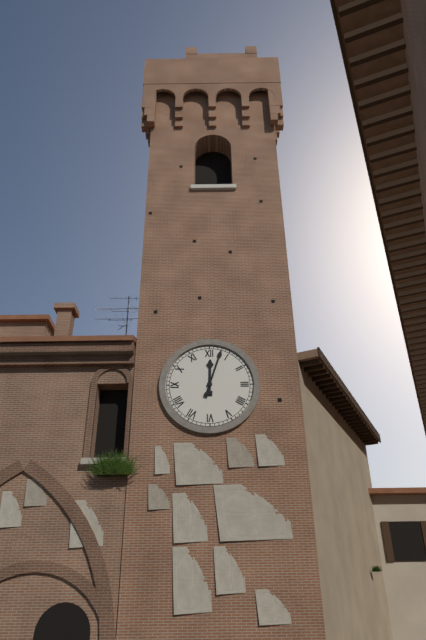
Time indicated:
**12:03**
